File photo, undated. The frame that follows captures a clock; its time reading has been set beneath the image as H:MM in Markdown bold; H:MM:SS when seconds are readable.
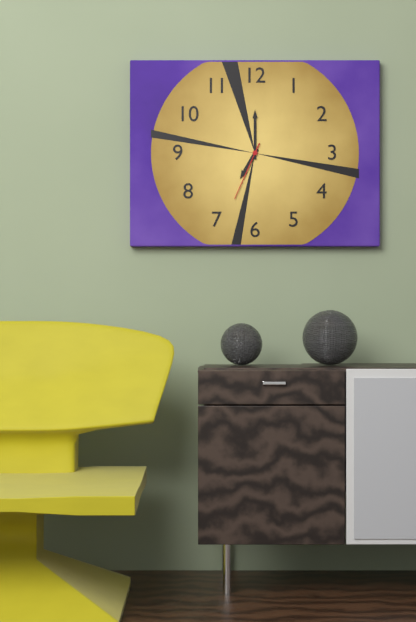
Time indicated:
**7:00:34**
